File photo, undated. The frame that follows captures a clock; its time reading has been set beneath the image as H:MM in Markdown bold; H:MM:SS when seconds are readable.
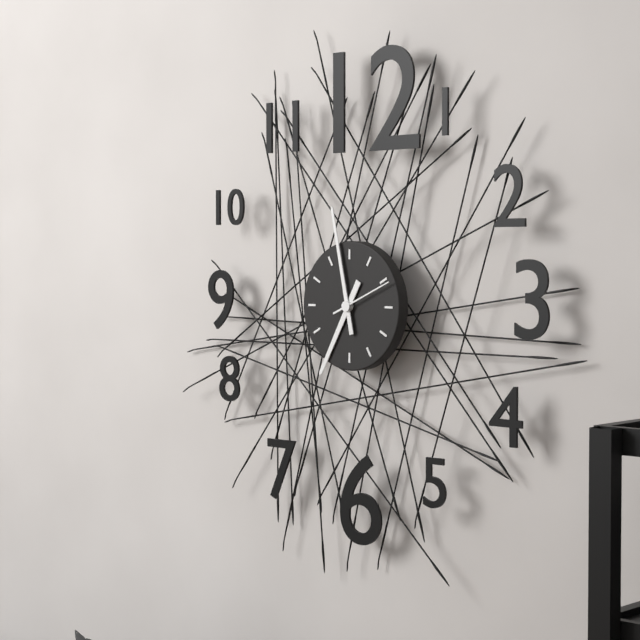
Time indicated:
**6:58:11**
